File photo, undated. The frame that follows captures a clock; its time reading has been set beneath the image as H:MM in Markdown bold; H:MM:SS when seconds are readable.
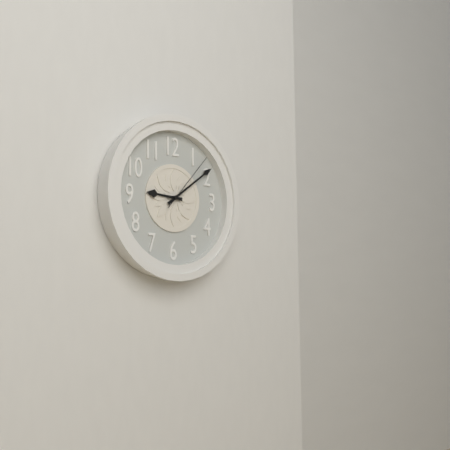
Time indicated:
**9:09:07**
